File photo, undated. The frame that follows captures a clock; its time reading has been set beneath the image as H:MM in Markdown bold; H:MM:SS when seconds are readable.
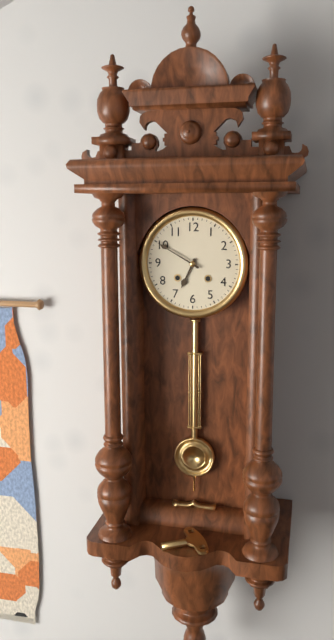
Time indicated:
**6:50**
